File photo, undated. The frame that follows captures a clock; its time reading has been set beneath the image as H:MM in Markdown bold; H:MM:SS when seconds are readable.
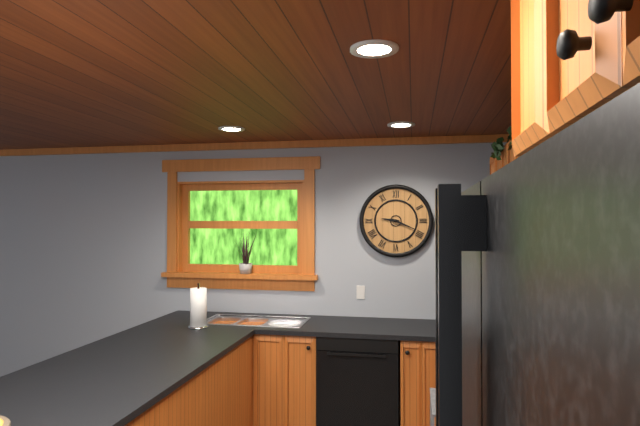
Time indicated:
**9:19**
